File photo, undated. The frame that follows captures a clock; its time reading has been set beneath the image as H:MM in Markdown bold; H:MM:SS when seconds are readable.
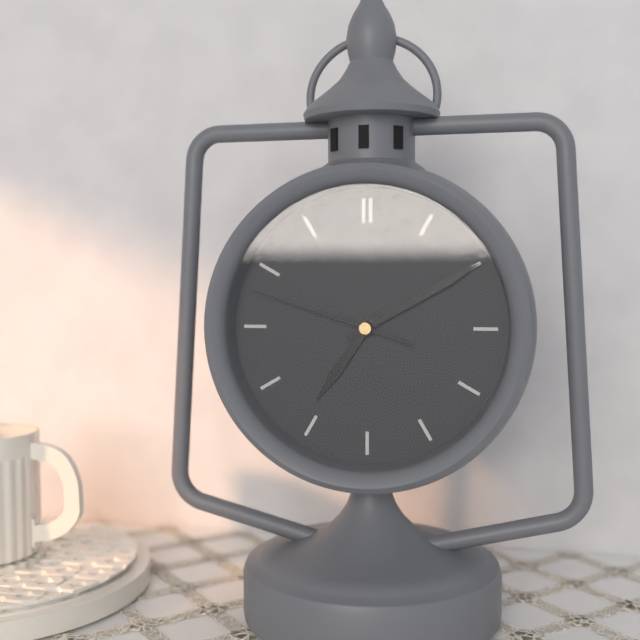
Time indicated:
**7:10:48**
